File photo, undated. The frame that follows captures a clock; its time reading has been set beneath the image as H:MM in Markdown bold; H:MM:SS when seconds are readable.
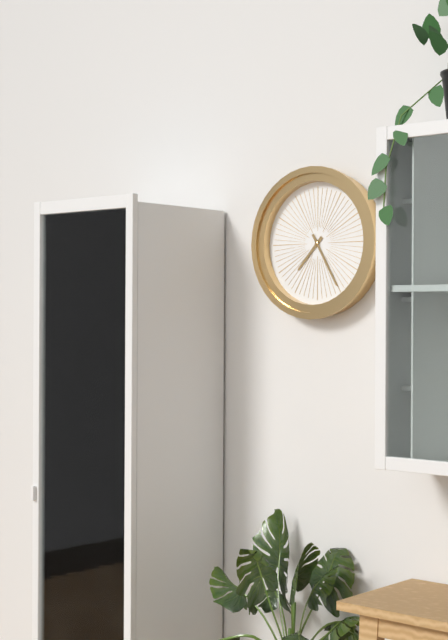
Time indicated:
**7:25**
